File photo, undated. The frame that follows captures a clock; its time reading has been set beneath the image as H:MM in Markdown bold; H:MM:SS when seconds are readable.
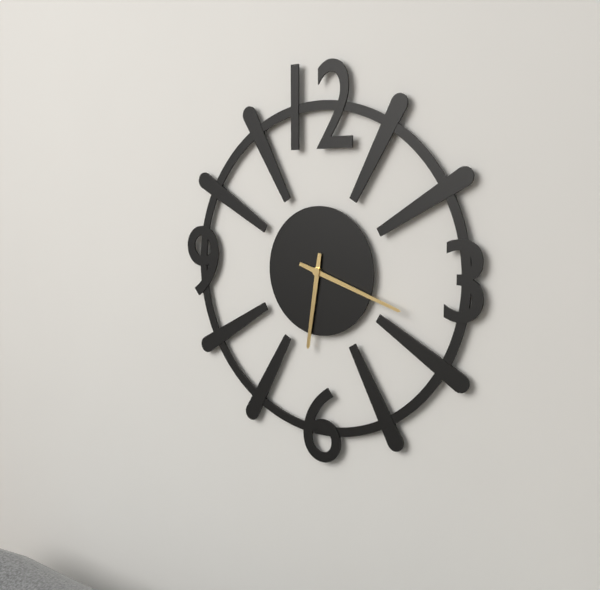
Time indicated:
**6:18**
